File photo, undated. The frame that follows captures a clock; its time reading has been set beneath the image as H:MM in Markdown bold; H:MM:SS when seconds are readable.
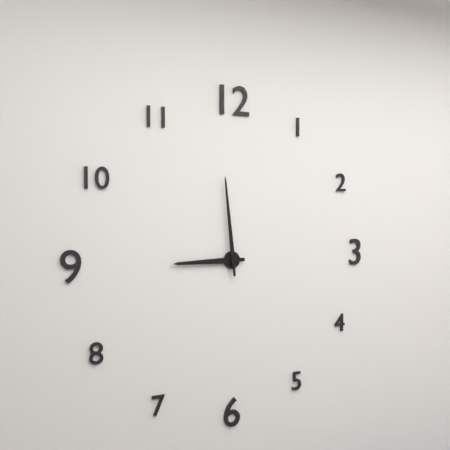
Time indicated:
**8:59**
